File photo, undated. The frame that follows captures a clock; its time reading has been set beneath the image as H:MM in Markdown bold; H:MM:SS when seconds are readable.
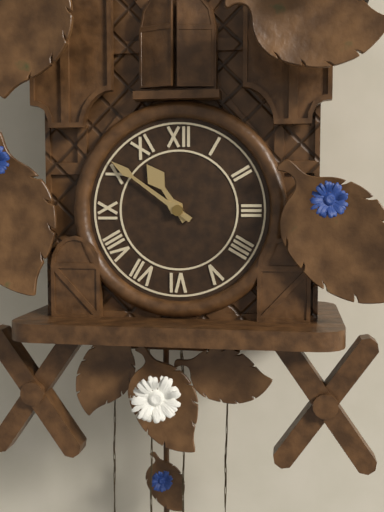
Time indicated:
**10:51**
